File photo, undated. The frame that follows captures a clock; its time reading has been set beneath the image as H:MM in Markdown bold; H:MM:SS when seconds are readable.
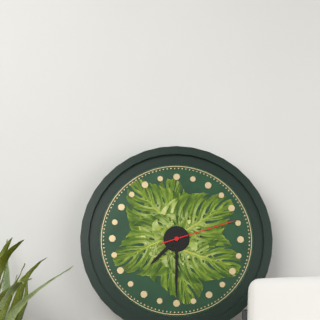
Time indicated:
**7:30:12**
